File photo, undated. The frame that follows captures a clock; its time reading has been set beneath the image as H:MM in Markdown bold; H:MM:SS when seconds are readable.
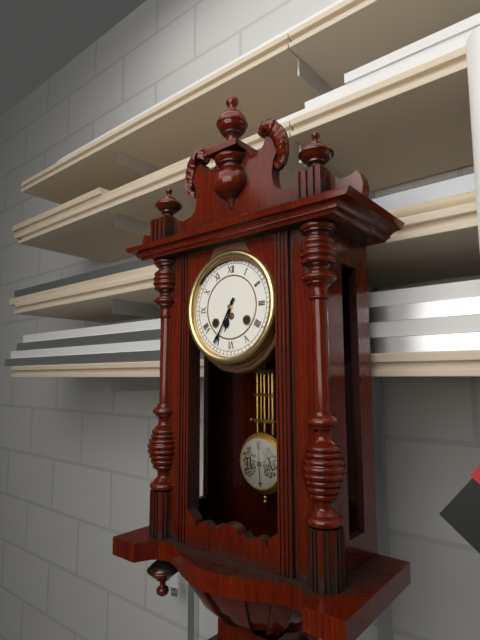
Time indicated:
**6:35**
